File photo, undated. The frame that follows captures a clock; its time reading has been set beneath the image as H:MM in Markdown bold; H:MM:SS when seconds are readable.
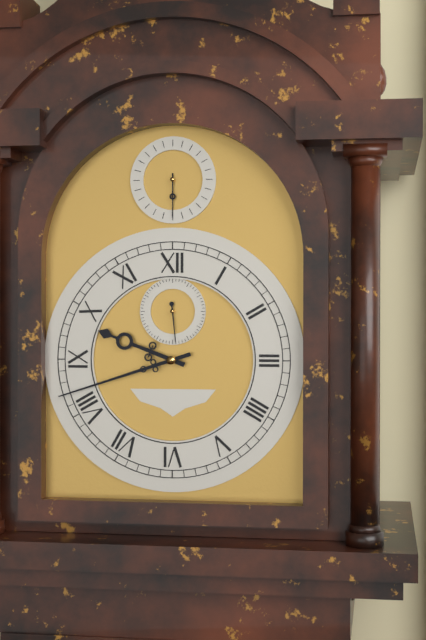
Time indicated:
**9:42**
